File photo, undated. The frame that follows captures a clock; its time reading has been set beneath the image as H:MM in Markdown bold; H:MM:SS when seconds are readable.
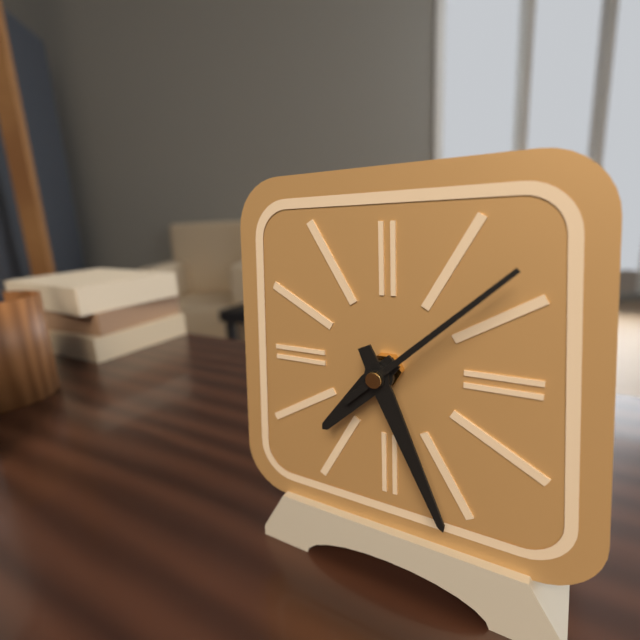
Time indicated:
**7:26:08**
